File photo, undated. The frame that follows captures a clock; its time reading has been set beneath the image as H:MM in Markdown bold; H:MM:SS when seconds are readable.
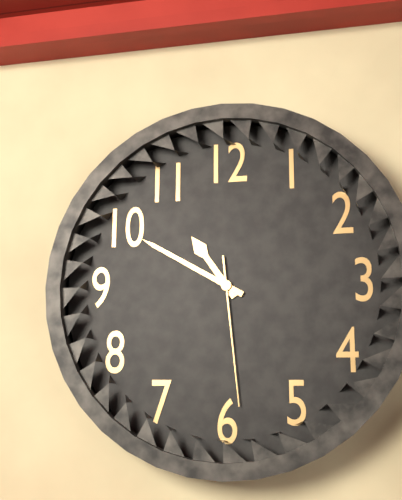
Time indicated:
**10:50:29**
